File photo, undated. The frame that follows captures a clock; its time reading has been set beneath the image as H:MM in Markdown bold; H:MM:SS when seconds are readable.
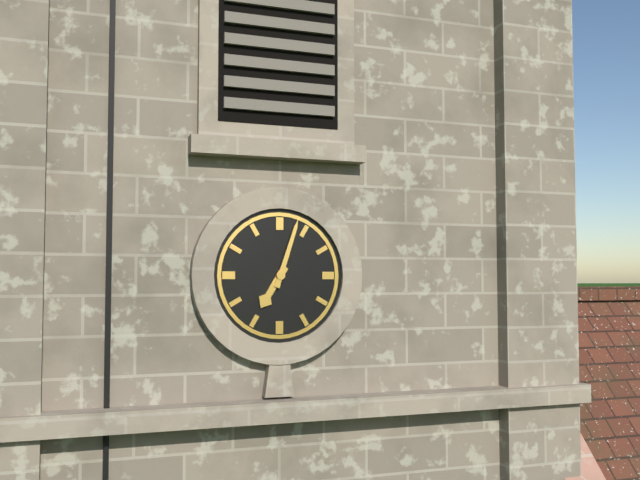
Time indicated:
**7:03**
